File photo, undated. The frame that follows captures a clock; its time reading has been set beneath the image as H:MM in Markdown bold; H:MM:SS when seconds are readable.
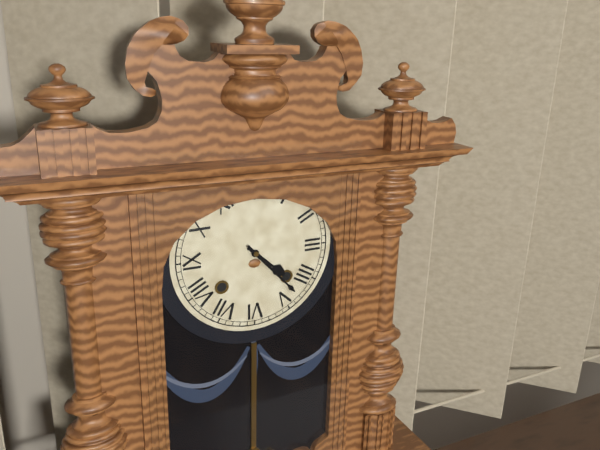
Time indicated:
**4:23**
